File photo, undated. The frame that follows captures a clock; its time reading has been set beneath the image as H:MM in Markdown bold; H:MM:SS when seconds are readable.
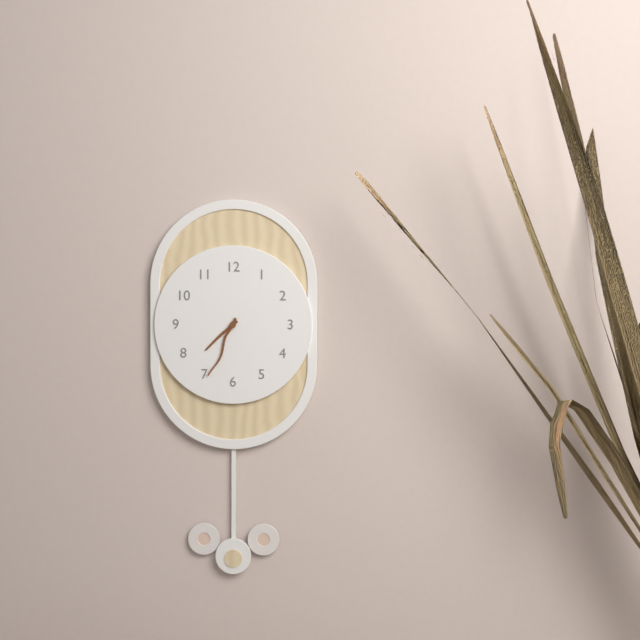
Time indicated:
**7:34**
